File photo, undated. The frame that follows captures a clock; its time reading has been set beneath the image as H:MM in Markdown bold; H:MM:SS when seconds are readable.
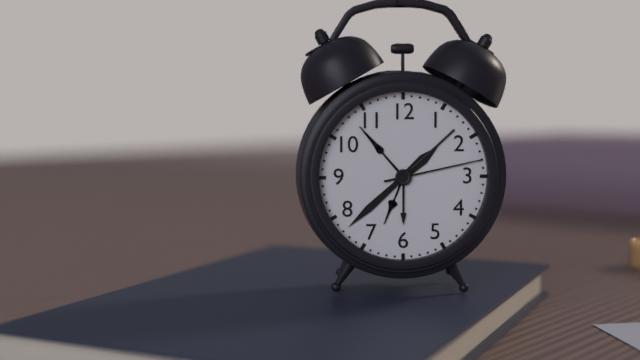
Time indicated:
**1:38:13**
